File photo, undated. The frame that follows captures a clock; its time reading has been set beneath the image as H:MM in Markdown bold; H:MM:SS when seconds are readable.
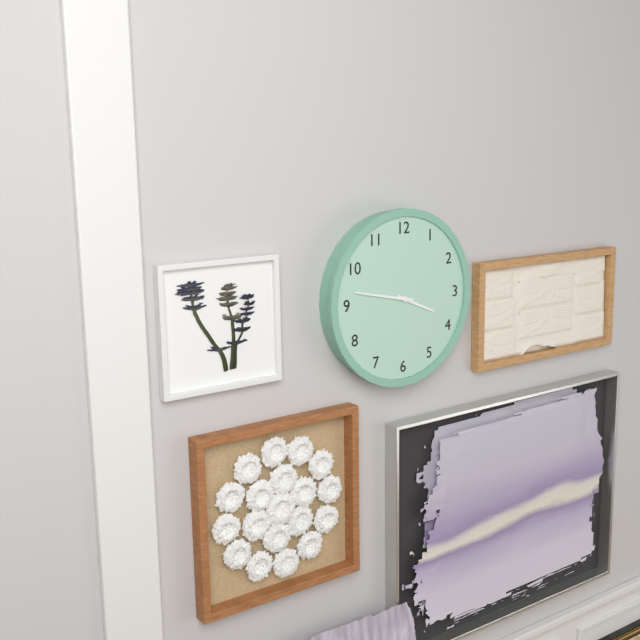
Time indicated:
**3:47**
